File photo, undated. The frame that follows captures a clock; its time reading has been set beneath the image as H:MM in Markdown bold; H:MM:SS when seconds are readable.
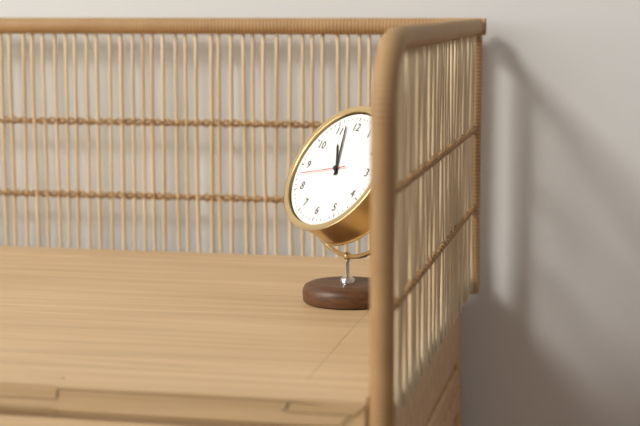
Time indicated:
**10:57**
